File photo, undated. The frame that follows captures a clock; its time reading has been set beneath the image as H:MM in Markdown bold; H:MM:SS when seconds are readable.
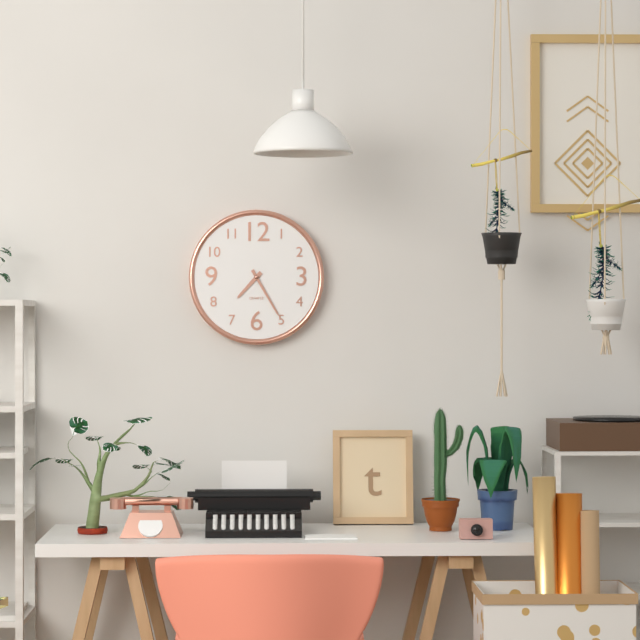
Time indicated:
**7:25**
